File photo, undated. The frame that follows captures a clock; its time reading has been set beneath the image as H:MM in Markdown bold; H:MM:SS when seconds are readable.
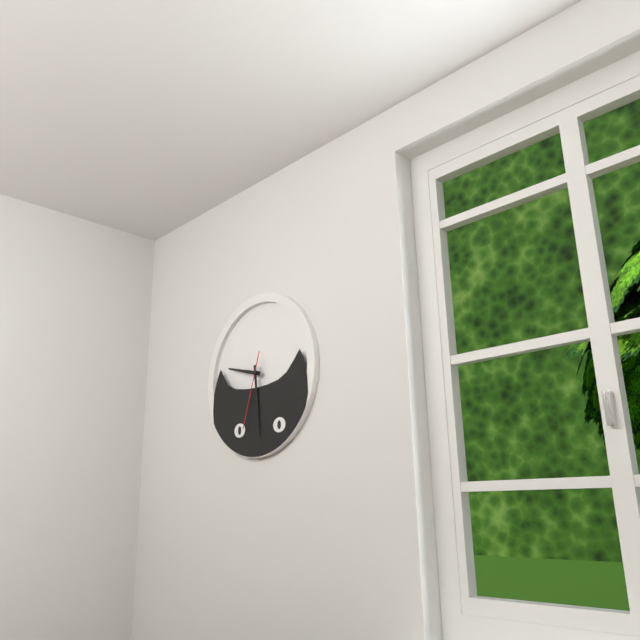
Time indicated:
**9:29:33**
